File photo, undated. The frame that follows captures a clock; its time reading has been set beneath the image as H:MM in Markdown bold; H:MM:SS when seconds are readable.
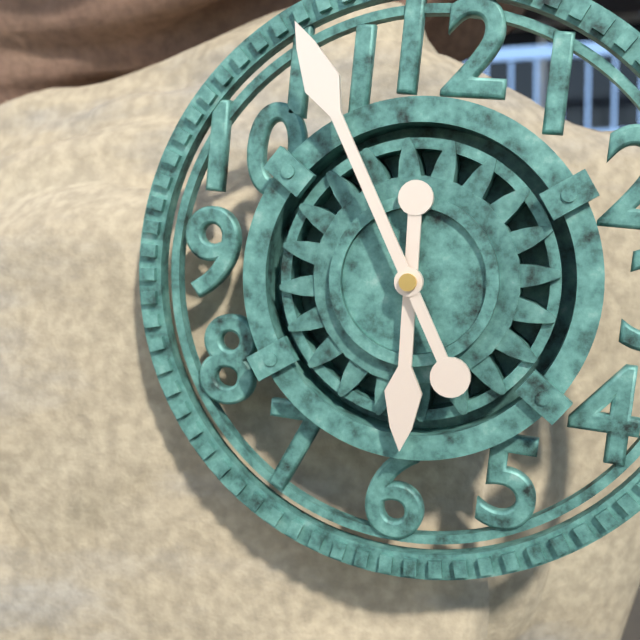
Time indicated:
**5:55**
